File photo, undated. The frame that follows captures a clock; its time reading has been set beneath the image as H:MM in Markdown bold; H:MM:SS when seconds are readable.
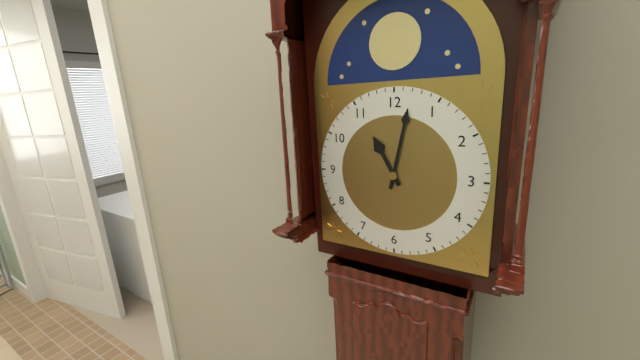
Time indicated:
**11:02**
